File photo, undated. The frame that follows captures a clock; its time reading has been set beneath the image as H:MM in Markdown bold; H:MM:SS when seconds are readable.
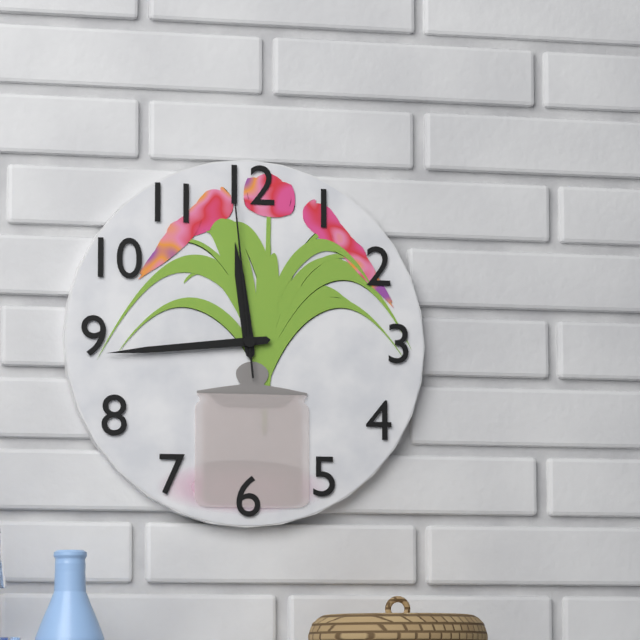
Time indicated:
**11:44:59**
